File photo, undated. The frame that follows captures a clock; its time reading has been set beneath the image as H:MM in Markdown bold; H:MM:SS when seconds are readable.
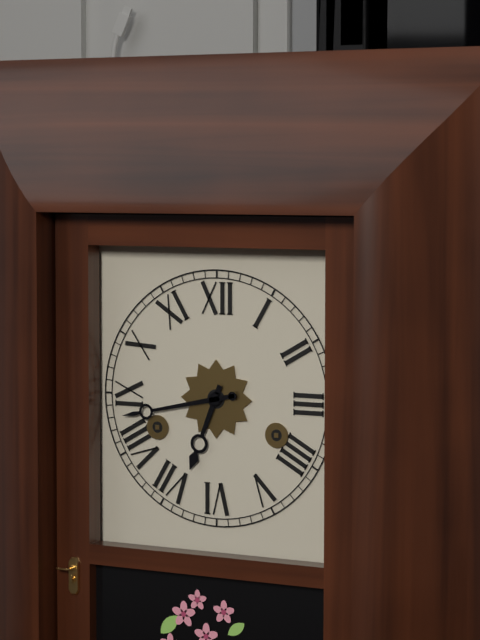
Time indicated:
**6:43**
